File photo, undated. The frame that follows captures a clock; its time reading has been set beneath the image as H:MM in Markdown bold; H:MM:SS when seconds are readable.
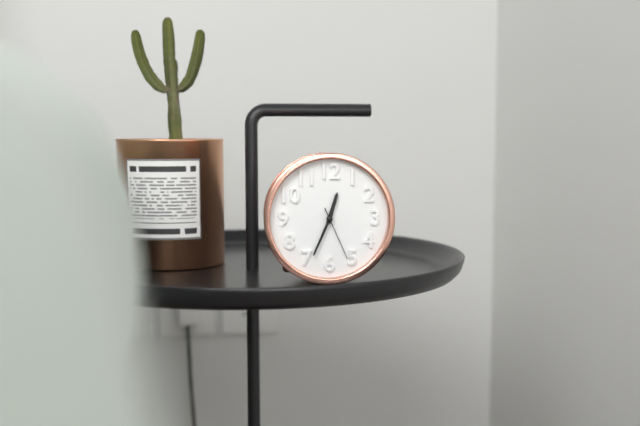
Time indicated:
**12:34:26**
